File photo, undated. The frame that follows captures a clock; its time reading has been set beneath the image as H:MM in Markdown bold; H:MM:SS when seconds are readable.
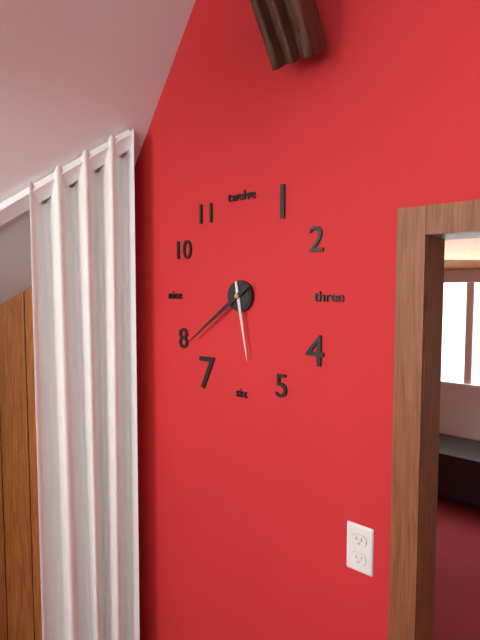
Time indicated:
**5:39**
